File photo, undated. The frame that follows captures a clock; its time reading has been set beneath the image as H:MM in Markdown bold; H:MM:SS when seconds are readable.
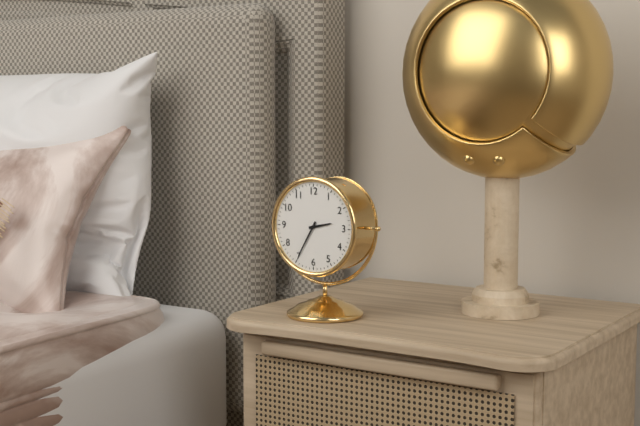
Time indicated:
**2:35**
